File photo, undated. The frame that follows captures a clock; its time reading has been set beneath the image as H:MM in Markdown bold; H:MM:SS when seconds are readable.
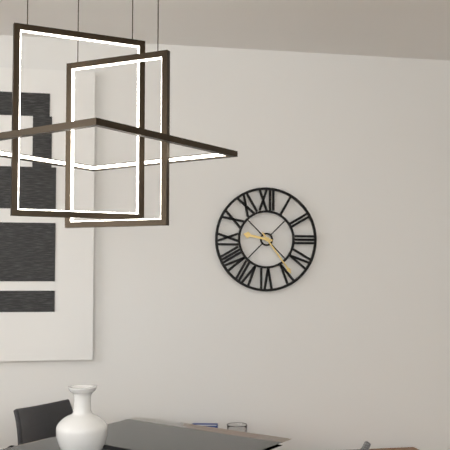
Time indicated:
**9:24**
